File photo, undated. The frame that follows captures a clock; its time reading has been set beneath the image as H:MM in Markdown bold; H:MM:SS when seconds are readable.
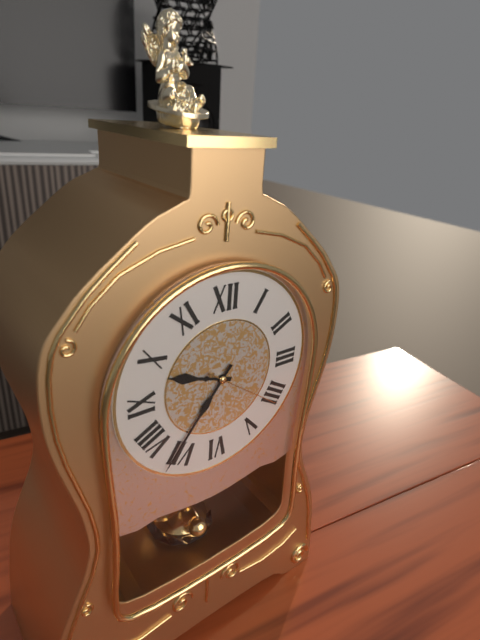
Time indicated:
**9:36:21**
